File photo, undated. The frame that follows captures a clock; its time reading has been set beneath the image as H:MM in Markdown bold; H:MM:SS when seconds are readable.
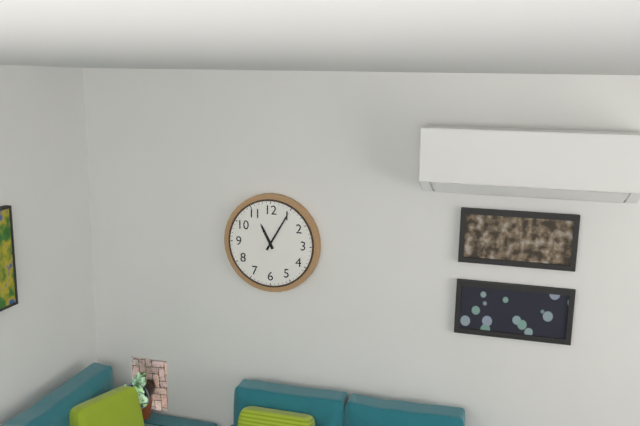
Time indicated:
**11:05**
